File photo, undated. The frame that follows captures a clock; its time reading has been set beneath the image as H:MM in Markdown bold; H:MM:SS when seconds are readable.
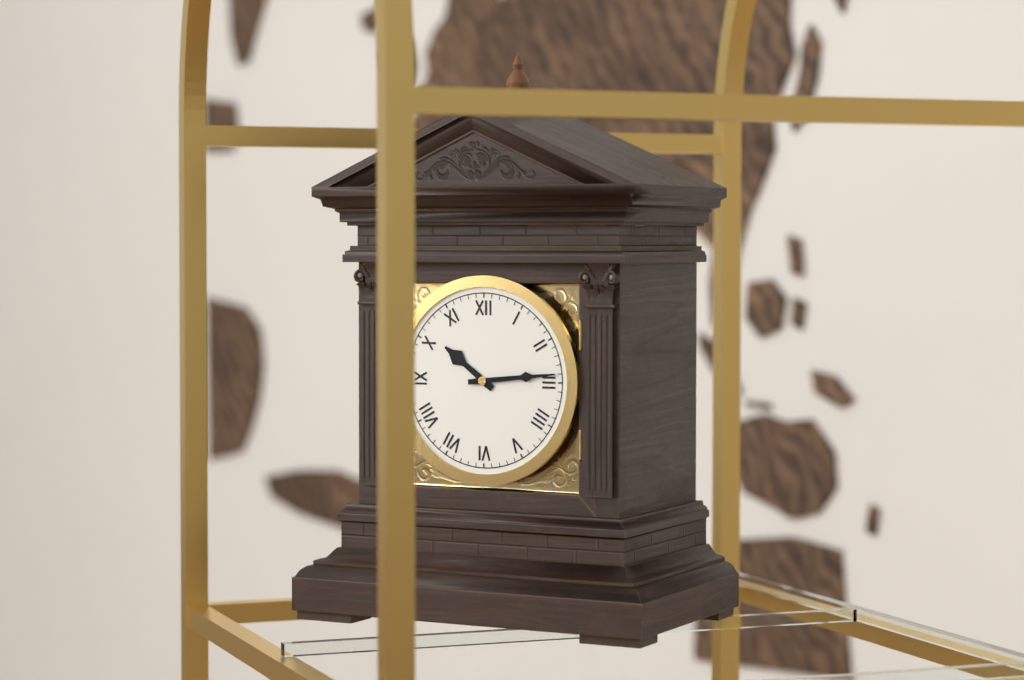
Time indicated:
**10:14**
